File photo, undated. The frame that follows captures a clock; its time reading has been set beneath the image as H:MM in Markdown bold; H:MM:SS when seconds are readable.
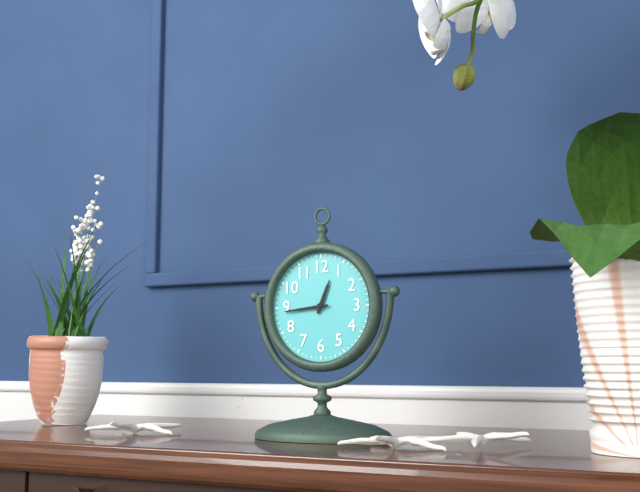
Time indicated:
**12:44**
